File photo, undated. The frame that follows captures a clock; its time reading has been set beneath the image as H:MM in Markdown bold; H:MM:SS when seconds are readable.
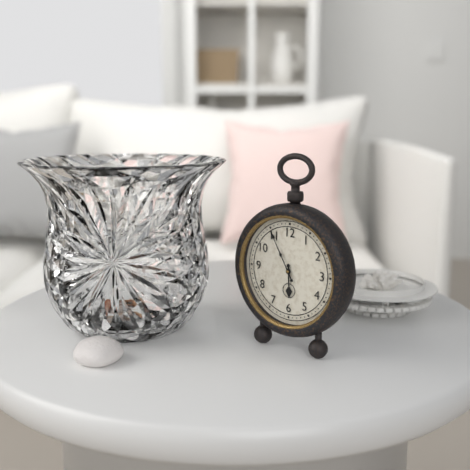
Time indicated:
**5:55**
